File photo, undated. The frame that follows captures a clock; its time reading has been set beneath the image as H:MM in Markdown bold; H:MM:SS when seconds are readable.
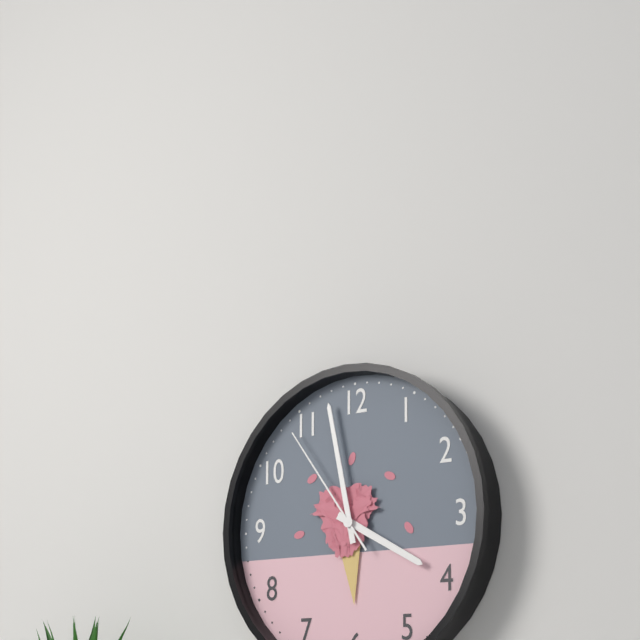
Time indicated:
**3:58:54**
